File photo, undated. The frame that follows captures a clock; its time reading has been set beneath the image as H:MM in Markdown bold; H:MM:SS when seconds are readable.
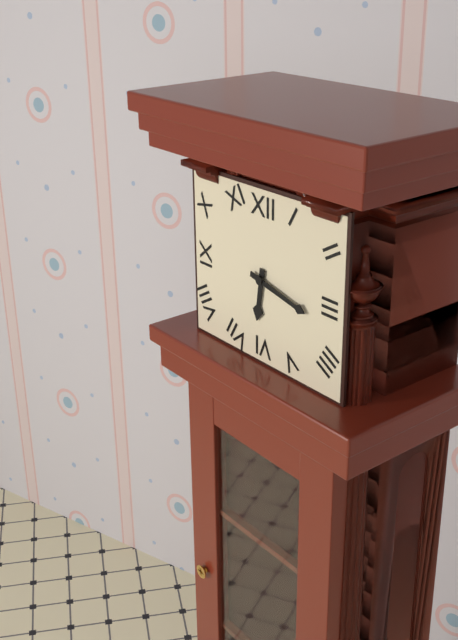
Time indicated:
**6:17**
